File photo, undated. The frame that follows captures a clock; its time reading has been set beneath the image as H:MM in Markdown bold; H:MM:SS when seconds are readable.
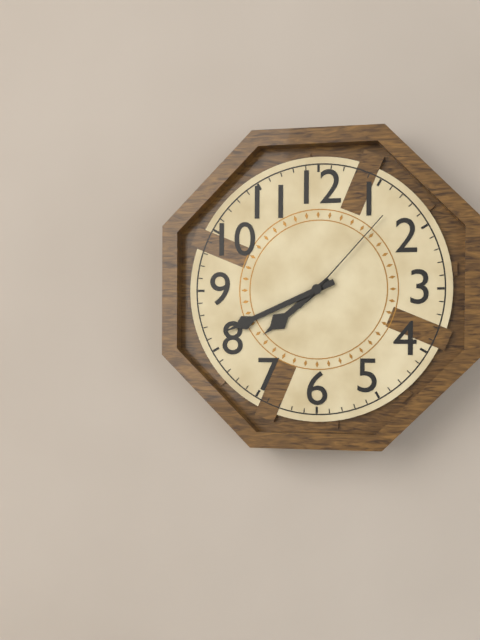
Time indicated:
**7:41:07**
